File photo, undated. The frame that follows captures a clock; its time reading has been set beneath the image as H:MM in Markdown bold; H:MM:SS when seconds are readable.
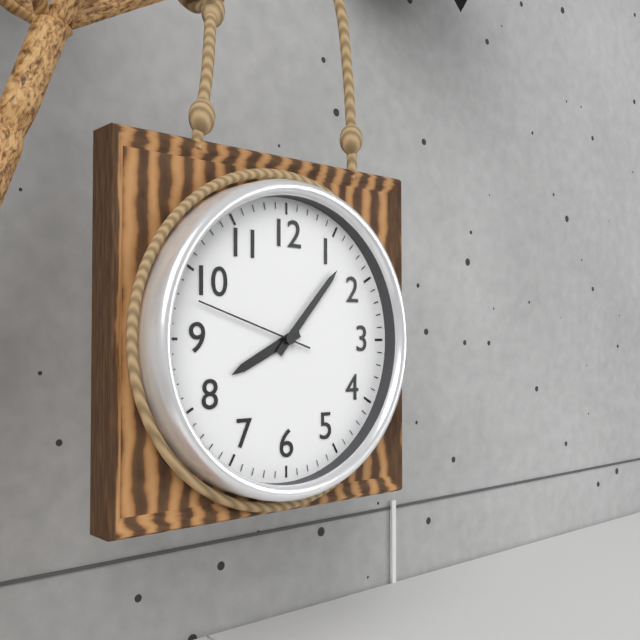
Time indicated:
**8:07:48**
